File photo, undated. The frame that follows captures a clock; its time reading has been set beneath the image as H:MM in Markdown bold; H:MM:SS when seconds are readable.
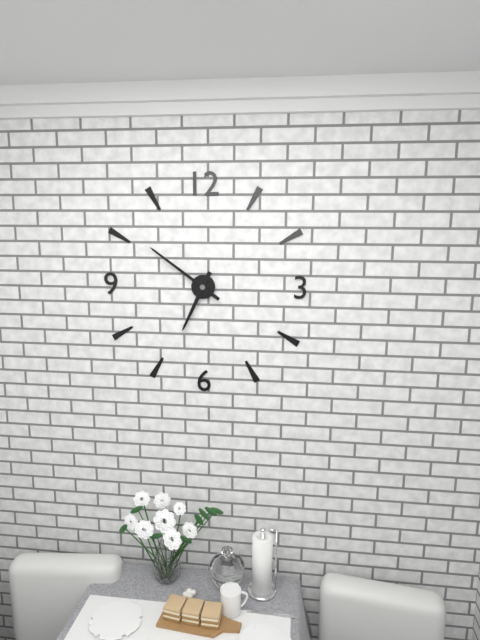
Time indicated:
**6:51**
